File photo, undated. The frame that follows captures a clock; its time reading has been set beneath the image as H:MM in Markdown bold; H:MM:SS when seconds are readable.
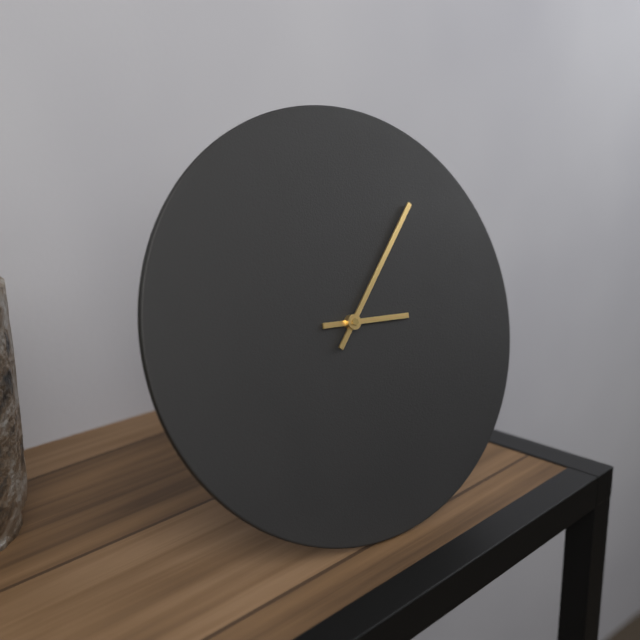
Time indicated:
**3:07**
